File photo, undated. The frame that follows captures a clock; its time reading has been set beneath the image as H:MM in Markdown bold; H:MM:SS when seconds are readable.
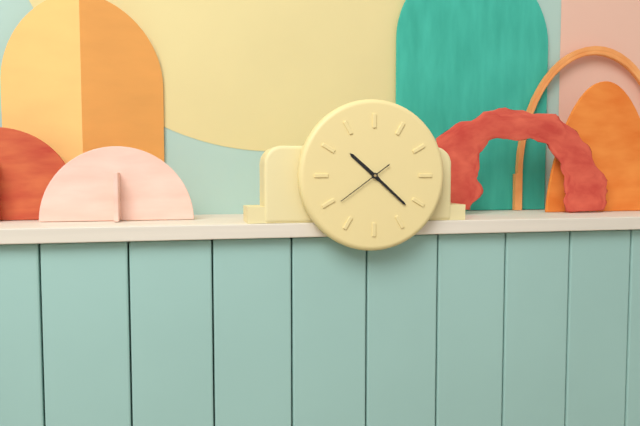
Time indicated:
**10:22:39**
